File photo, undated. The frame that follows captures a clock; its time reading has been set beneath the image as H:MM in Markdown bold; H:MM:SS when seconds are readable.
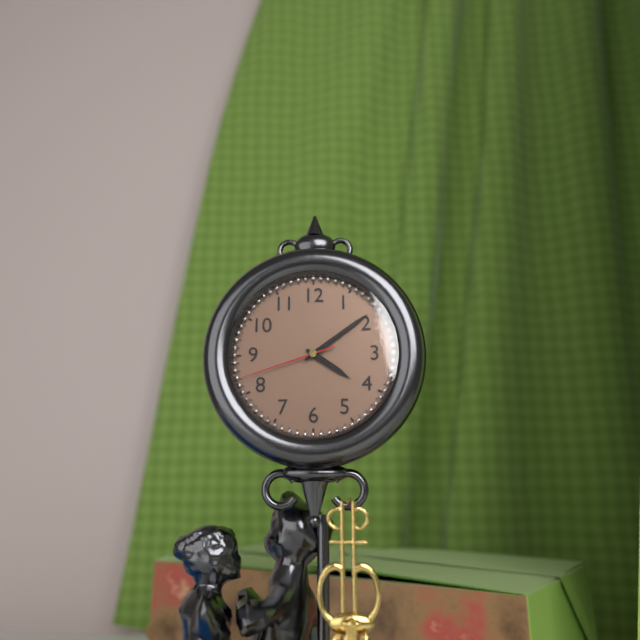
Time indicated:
**4:09:42**
